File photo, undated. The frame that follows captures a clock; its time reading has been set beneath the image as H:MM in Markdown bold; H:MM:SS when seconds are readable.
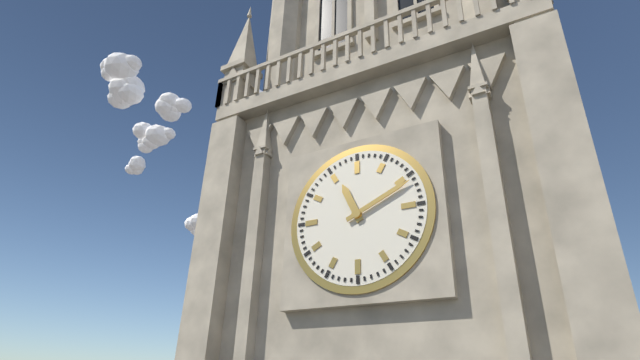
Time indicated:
**11:11**
